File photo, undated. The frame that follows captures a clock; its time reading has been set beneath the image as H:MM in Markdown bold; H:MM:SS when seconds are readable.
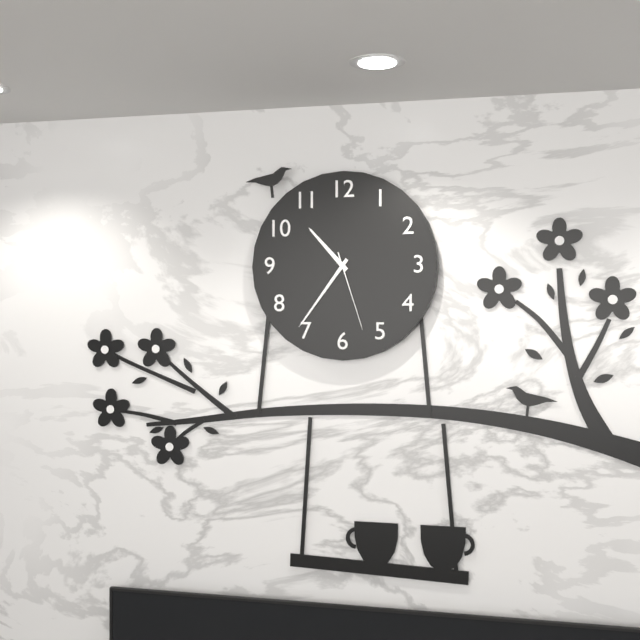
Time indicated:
**10:36:27**
